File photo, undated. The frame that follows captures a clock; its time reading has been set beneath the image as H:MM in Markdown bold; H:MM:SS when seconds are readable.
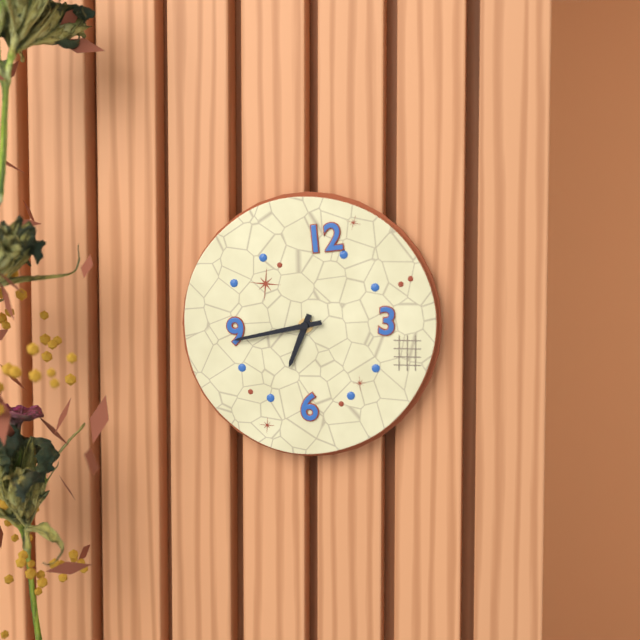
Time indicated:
**6:43**
